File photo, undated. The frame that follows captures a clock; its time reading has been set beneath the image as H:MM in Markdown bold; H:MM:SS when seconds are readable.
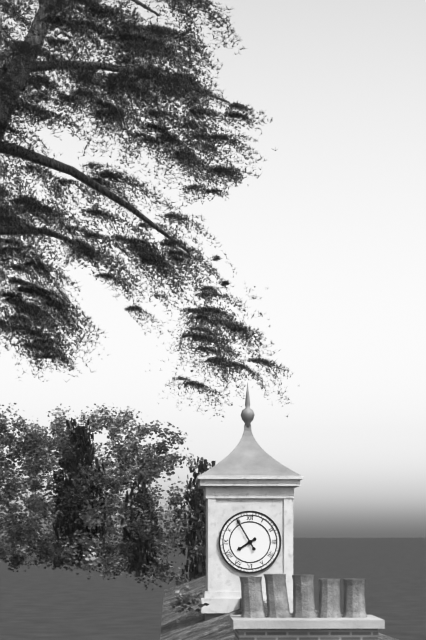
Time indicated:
**7:55**
